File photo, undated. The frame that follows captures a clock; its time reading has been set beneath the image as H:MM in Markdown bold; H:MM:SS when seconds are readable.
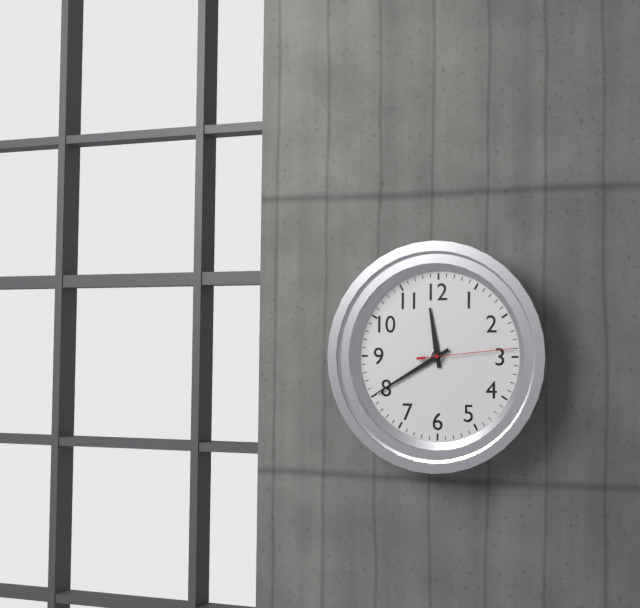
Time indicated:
**11:40:14**
